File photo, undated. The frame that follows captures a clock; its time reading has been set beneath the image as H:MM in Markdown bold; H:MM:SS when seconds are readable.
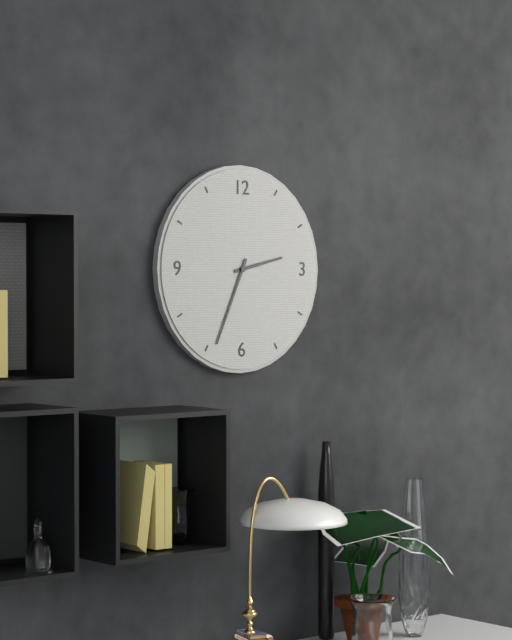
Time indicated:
**2:34**
